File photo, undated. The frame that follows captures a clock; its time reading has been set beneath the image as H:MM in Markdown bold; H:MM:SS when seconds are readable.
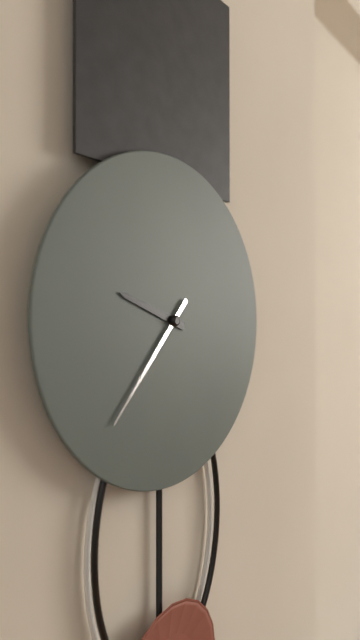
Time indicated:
**9:37**
